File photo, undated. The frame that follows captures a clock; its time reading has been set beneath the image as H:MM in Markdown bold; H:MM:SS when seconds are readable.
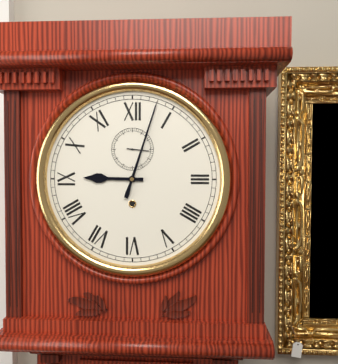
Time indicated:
**9:03**
